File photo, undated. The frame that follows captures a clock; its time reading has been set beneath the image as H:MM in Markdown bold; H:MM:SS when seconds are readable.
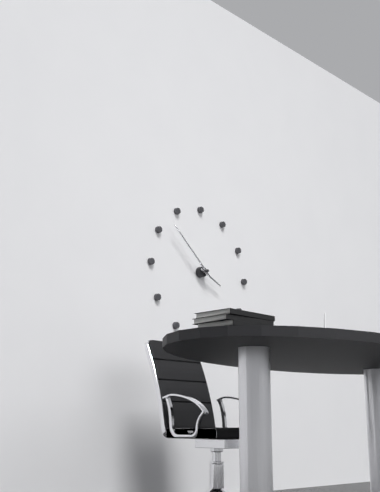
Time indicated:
**3:52**
